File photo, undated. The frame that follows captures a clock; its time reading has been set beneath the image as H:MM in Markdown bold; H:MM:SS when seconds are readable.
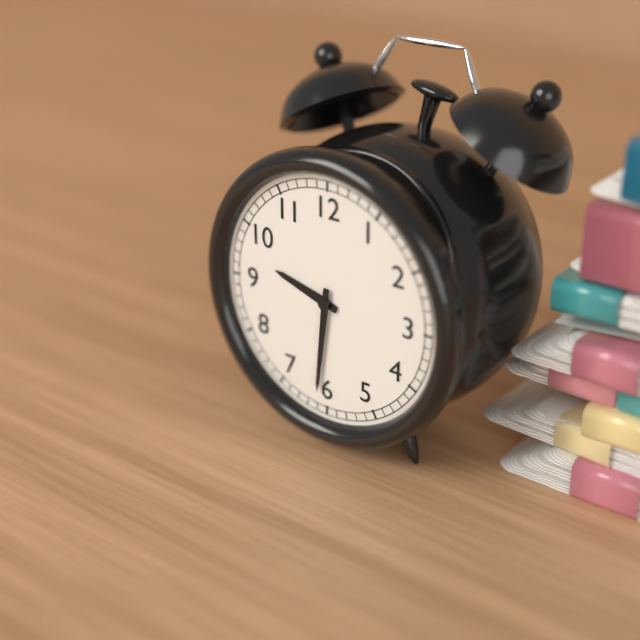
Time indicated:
**9:31**
